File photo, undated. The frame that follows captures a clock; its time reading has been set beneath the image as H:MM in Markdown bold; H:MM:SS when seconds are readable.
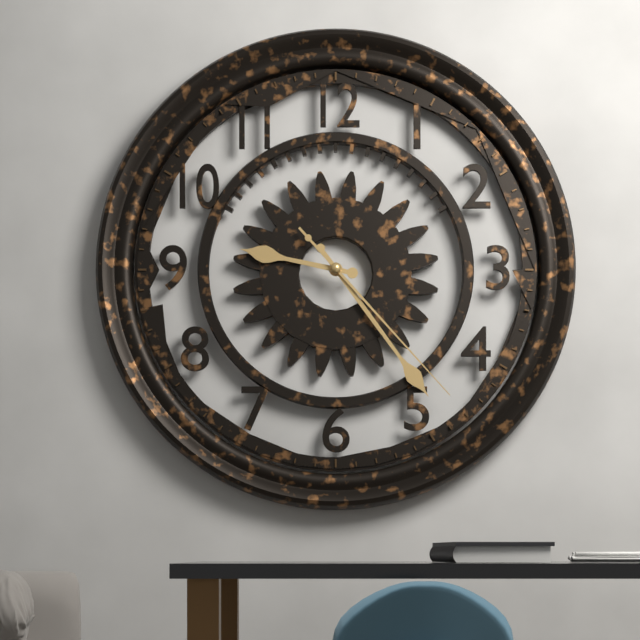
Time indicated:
**9:24:23**
